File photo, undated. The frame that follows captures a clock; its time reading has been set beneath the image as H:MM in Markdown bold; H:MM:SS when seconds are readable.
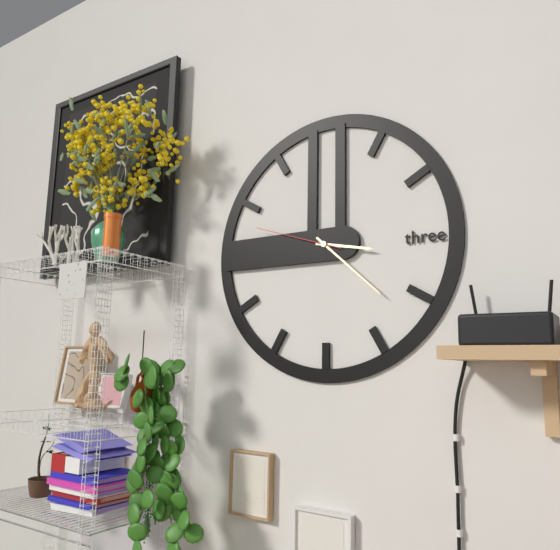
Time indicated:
**3:22:48**
